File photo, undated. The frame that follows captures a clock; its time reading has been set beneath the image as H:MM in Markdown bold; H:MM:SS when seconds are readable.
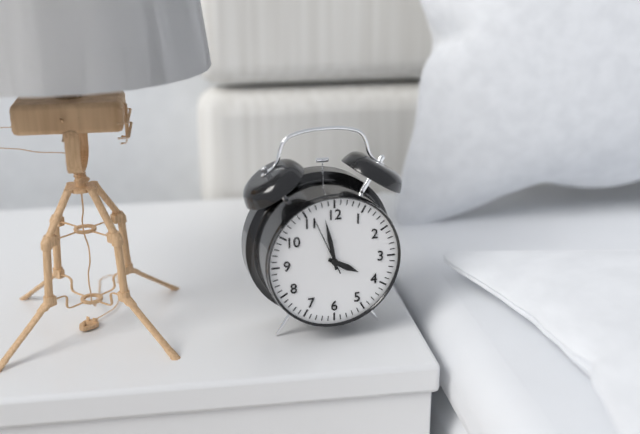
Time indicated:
**3:58**
